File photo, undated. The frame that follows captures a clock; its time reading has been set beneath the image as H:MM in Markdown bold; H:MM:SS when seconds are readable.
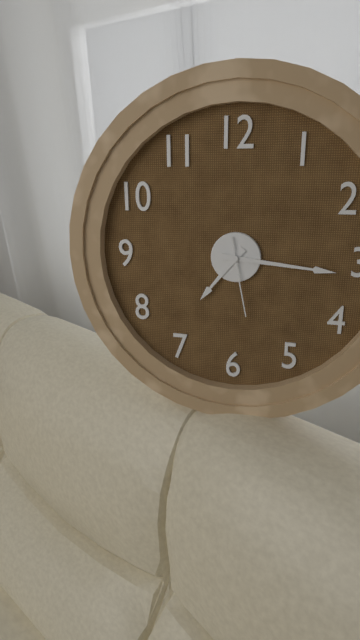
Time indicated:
**7:16:28**
